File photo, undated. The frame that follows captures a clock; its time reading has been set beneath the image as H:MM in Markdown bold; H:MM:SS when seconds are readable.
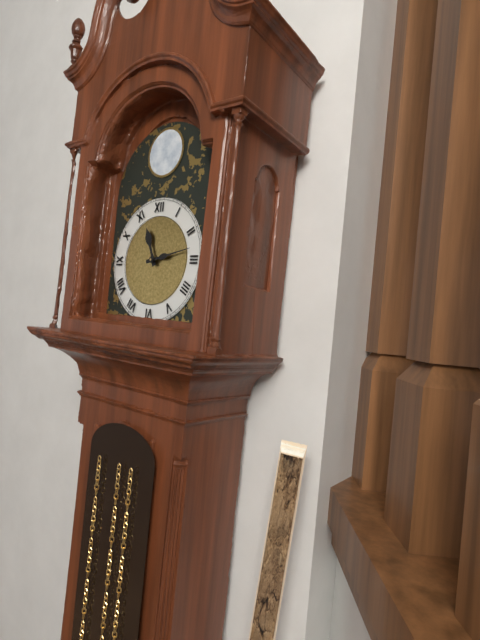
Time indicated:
**11:13**
